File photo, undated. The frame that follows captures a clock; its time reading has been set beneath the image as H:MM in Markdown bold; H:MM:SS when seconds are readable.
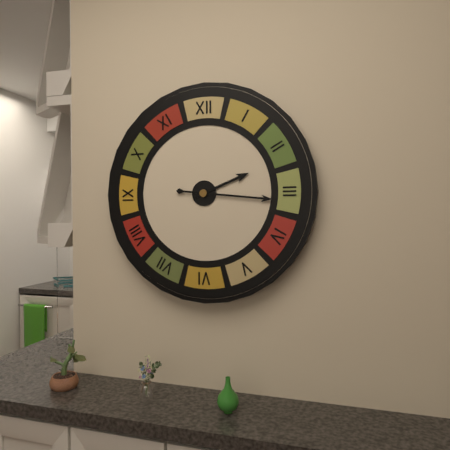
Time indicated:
**2:16**
